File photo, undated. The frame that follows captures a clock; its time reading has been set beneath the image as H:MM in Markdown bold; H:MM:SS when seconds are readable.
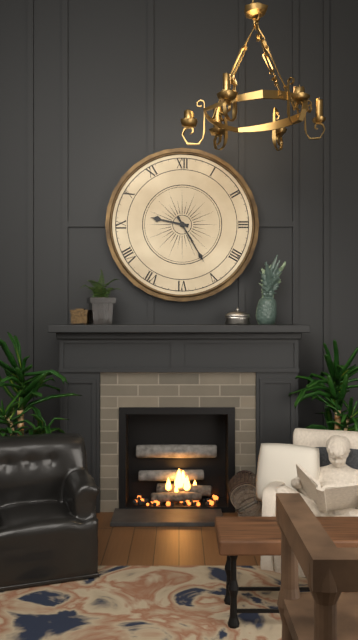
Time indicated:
**9:25**
